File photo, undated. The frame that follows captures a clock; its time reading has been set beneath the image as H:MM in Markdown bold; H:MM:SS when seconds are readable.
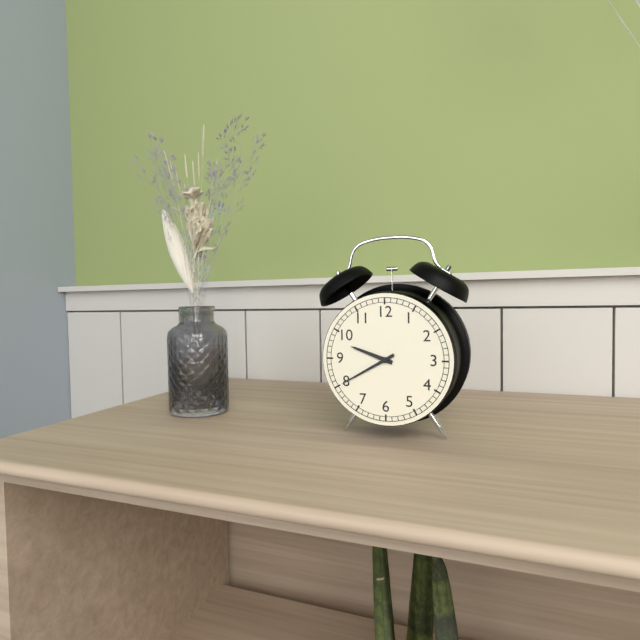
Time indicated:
**9:40**
